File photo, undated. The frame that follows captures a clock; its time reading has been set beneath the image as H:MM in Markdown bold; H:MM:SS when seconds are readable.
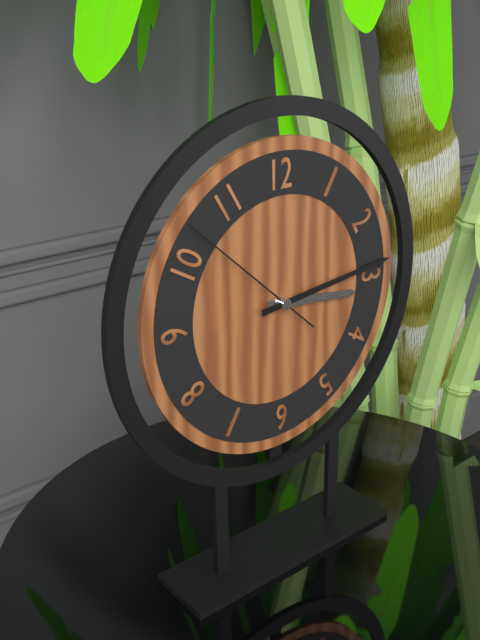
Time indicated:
**3:14:52**
